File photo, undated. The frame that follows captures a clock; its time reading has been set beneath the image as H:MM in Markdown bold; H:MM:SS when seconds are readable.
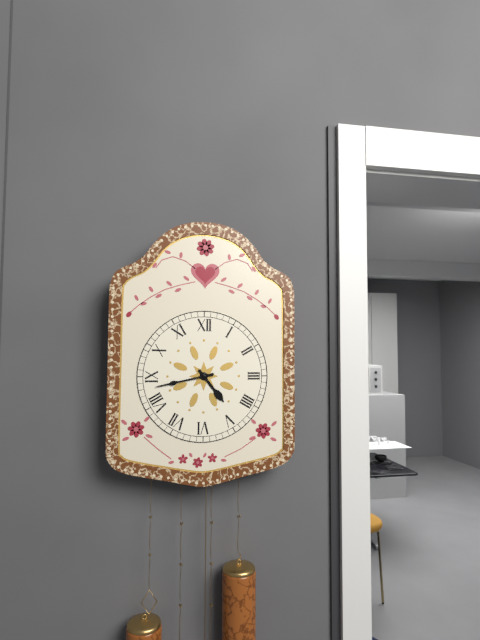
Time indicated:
**4:43**
